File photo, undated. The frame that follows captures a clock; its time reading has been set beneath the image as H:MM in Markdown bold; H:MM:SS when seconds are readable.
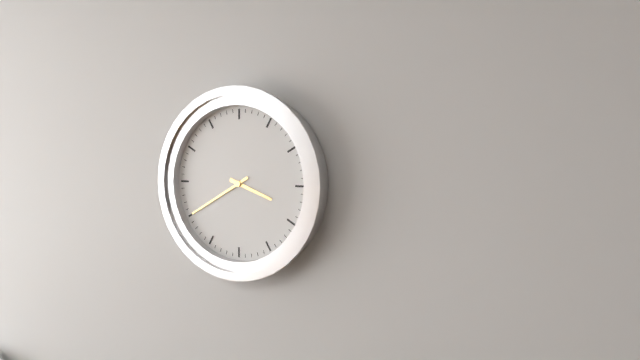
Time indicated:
**3:40**
